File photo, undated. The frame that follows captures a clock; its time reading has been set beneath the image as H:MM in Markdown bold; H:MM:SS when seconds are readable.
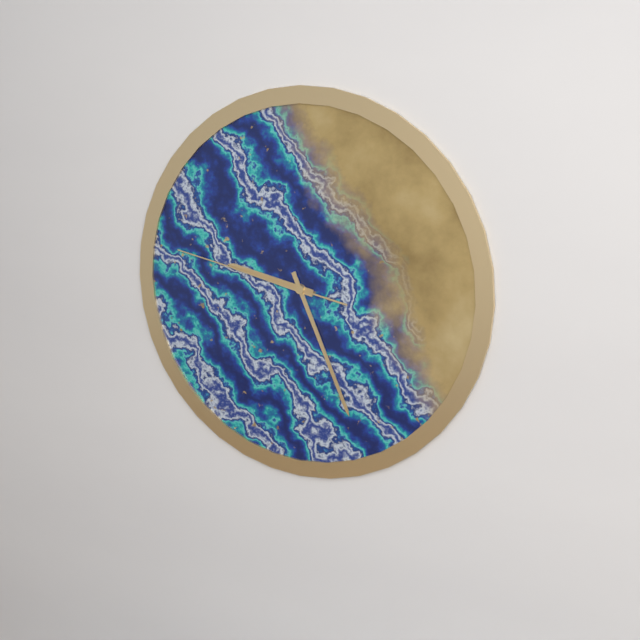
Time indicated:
**9:26:47**
